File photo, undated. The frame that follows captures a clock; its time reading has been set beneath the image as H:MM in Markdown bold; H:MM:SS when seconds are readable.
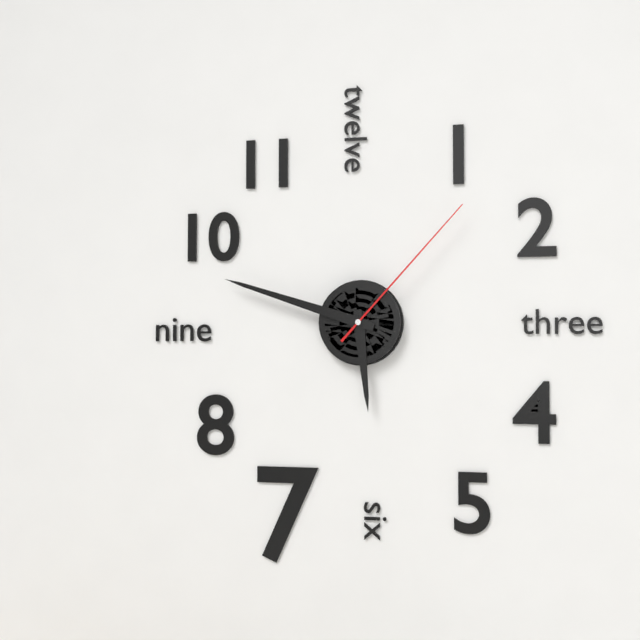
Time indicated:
**5:48:07**
